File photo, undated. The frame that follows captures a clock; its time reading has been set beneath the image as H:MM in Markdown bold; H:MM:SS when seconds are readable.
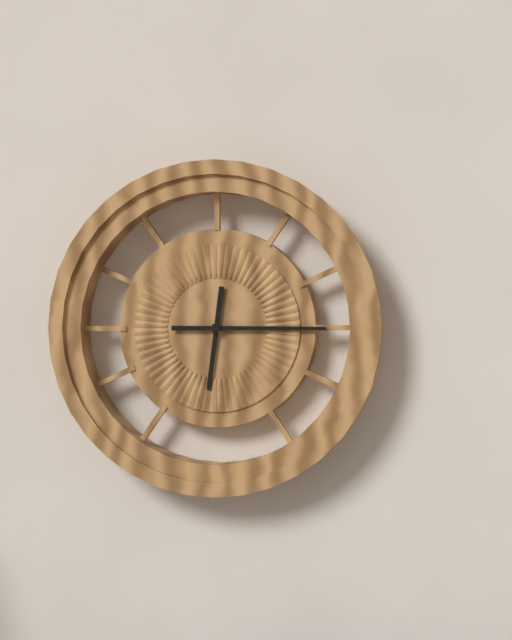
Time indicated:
**6:15**
